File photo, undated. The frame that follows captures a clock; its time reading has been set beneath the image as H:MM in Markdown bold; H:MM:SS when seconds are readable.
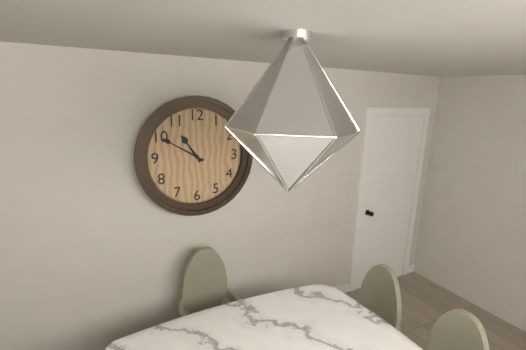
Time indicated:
**10:50**
